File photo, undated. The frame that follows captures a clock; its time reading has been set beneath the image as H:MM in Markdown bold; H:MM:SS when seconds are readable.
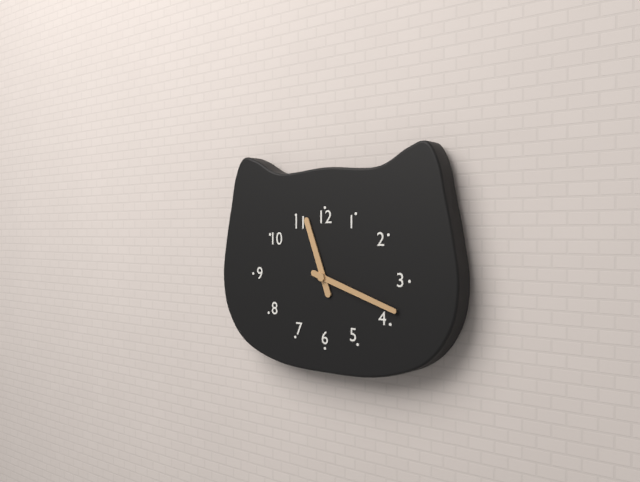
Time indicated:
**11:18**
